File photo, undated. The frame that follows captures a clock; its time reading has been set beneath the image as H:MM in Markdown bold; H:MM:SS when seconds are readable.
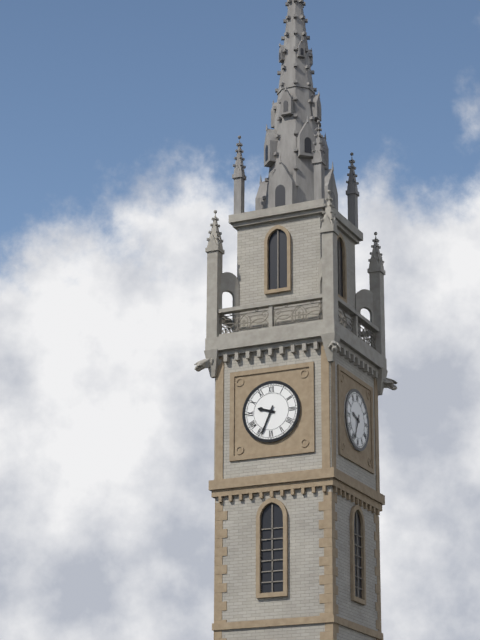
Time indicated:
**9:34**
